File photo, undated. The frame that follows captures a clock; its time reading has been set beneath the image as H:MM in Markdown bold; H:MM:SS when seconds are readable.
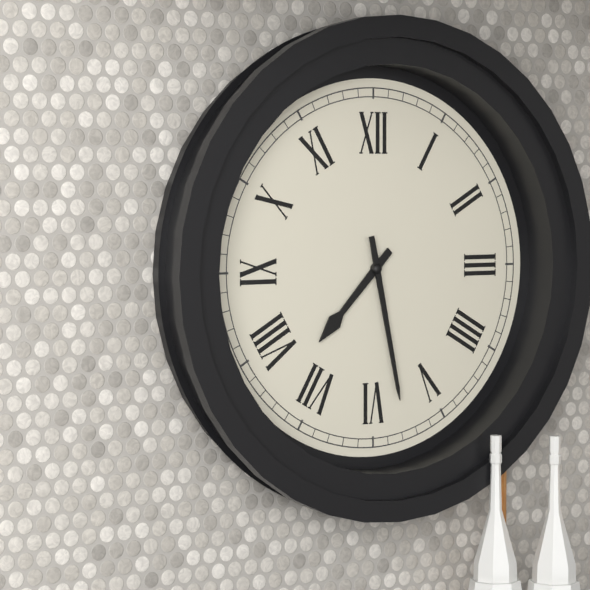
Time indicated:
**7:28**
